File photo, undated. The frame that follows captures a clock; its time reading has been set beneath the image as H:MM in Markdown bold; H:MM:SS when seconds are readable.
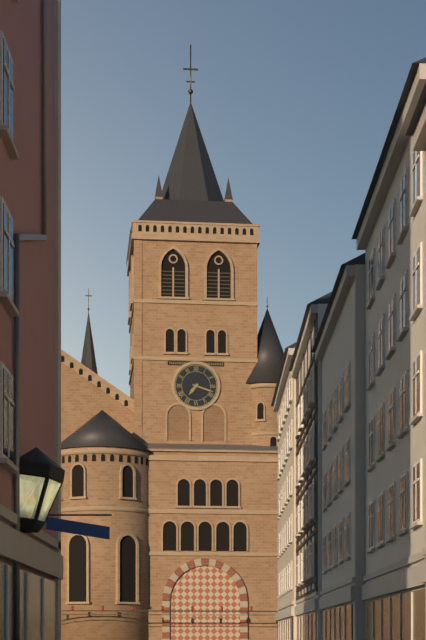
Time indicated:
**7:18**
